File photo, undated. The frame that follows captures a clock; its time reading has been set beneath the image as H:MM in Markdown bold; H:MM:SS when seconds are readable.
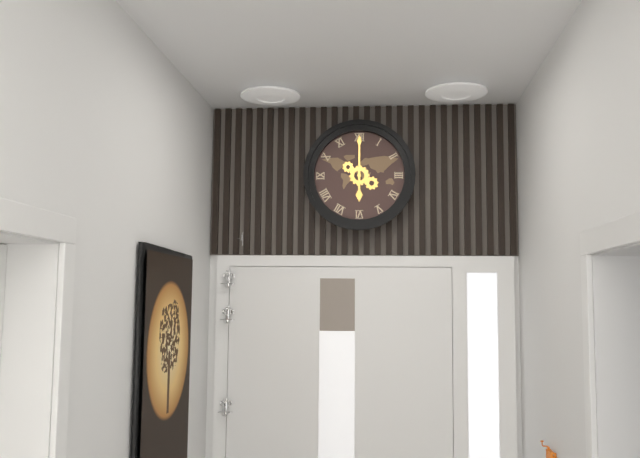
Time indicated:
**6:00**
